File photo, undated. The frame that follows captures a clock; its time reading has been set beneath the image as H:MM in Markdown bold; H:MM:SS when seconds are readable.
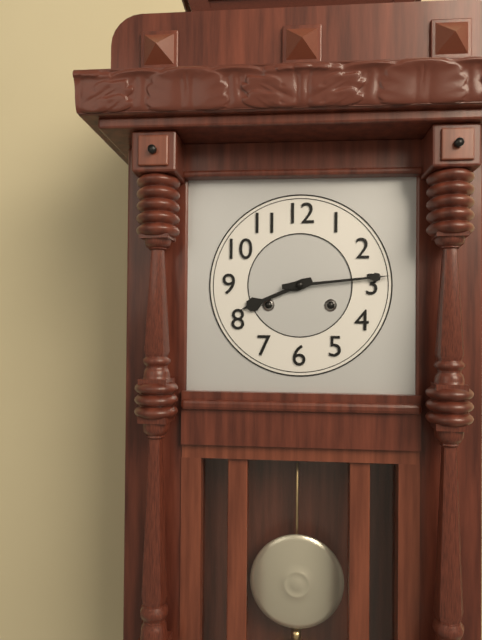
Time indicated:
**8:14**
